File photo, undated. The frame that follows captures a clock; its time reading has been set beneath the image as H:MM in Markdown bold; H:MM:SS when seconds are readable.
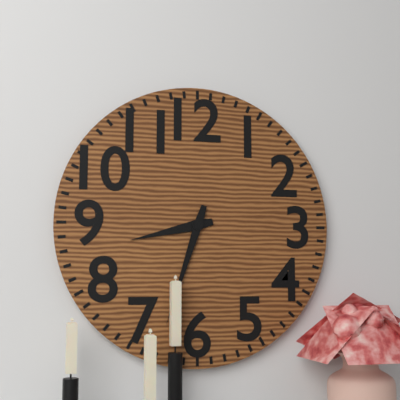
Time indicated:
**8:33**
